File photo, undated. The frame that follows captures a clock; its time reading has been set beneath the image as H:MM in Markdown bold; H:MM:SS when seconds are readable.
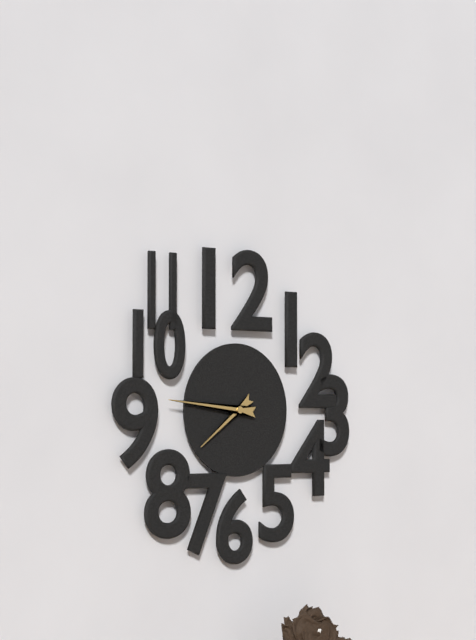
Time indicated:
**7:46**
